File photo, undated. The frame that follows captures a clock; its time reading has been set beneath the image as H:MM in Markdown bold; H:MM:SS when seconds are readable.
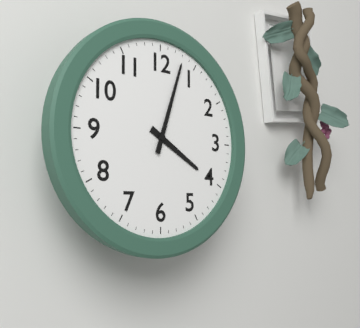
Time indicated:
**4:03**
